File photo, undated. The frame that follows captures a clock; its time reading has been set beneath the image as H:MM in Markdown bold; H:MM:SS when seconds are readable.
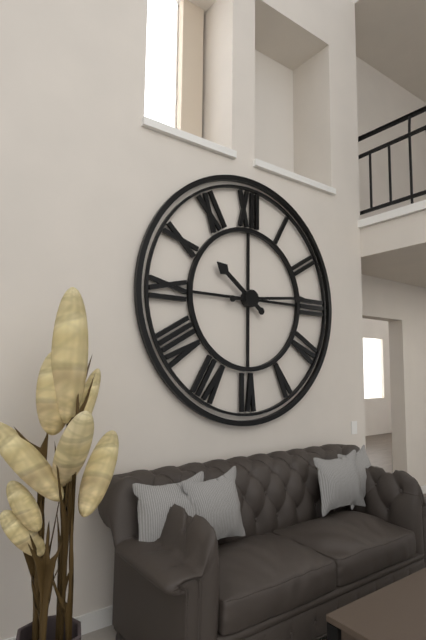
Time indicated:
**10:14**
